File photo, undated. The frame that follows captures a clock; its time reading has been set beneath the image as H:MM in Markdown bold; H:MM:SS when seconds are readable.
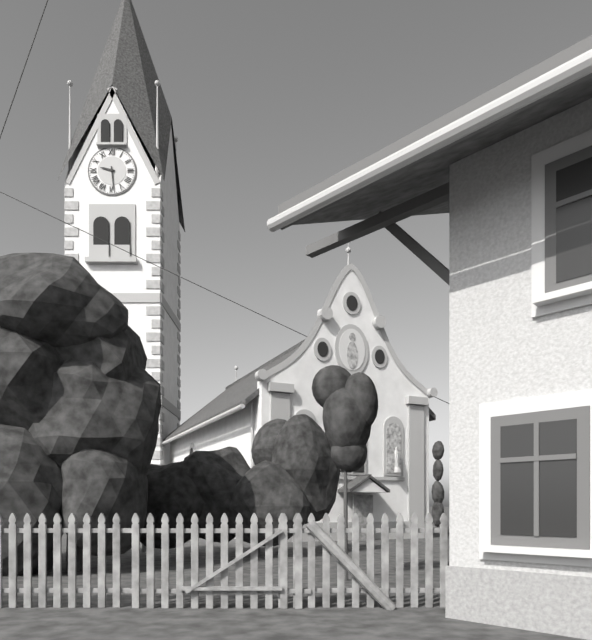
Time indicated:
**9:29**
